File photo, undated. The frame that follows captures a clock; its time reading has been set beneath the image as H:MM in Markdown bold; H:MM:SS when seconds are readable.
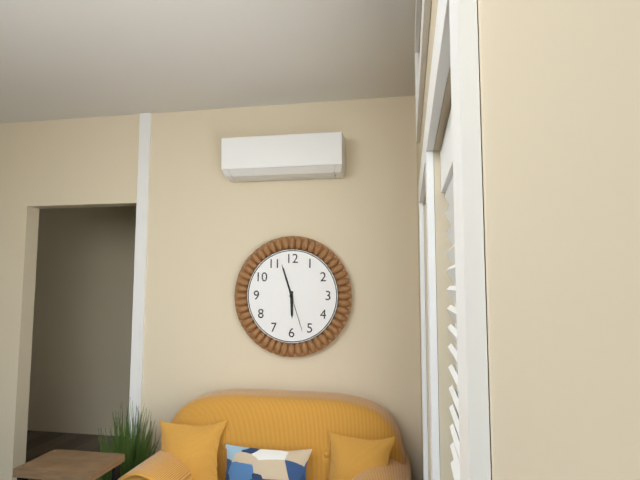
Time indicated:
**5:57**
